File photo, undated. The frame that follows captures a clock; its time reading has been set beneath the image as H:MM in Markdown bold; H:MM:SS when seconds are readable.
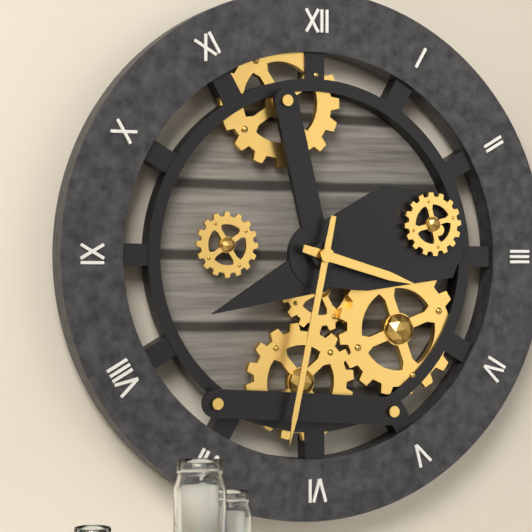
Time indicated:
**3:32**
